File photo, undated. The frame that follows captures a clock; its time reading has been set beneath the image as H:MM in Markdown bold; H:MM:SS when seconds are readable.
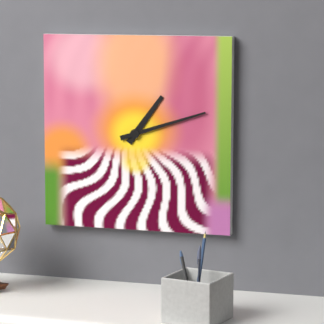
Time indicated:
**1:12**
